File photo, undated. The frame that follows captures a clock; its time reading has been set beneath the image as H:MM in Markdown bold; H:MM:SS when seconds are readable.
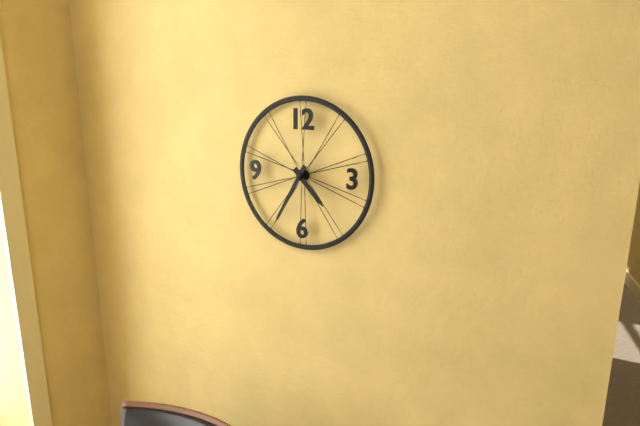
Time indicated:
**4:35**
